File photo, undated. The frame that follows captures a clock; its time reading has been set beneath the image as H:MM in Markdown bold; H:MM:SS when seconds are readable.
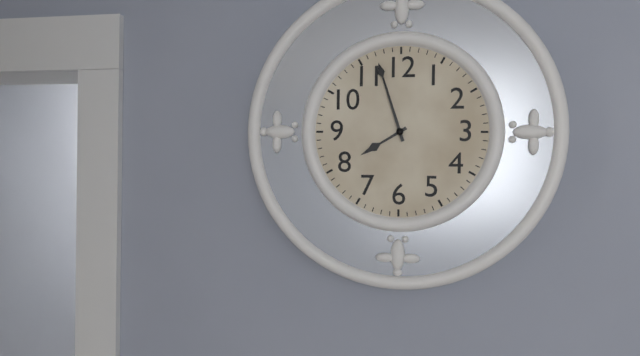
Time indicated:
**7:57**
